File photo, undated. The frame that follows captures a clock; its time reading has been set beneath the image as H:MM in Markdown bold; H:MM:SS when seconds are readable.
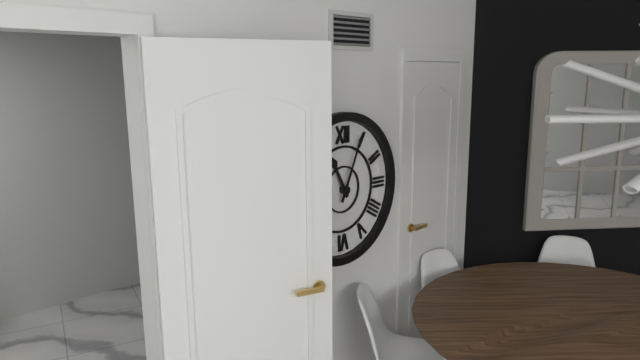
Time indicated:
**11:04**
